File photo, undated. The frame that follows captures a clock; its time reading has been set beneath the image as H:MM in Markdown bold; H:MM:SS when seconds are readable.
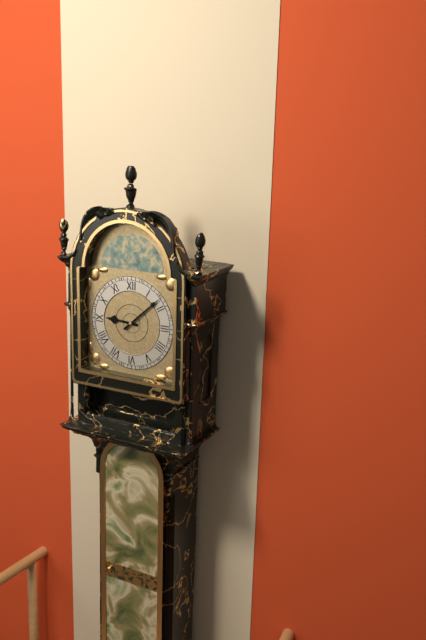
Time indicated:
**9:08**
